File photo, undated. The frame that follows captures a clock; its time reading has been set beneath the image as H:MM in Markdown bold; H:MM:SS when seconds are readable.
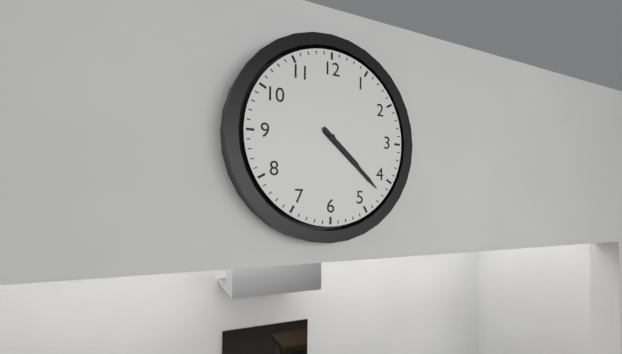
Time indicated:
**4:22**
